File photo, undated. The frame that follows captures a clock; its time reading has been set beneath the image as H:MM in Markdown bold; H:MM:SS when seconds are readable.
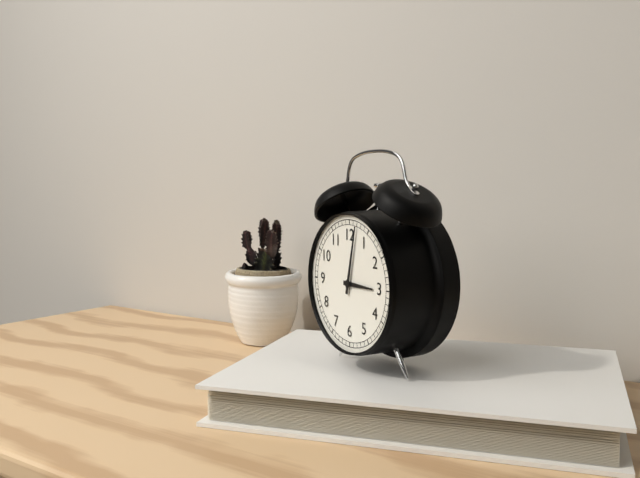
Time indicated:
**3:02**
